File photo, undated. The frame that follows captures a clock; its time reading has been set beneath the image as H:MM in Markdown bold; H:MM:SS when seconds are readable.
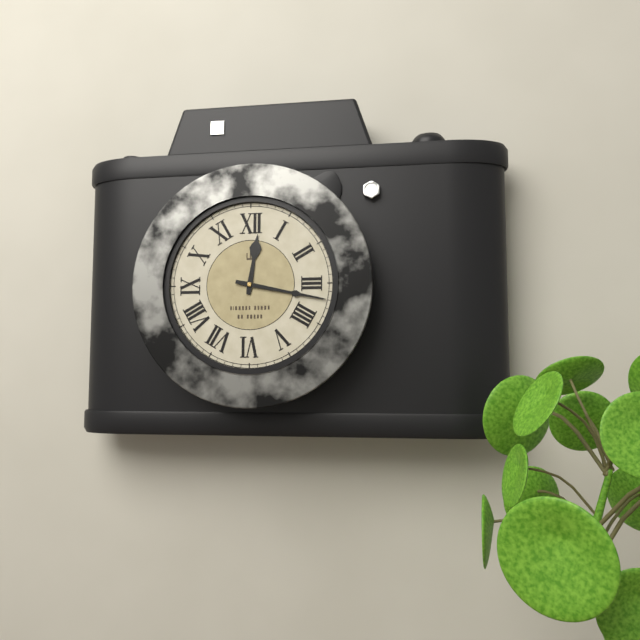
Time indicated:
**12:17**
